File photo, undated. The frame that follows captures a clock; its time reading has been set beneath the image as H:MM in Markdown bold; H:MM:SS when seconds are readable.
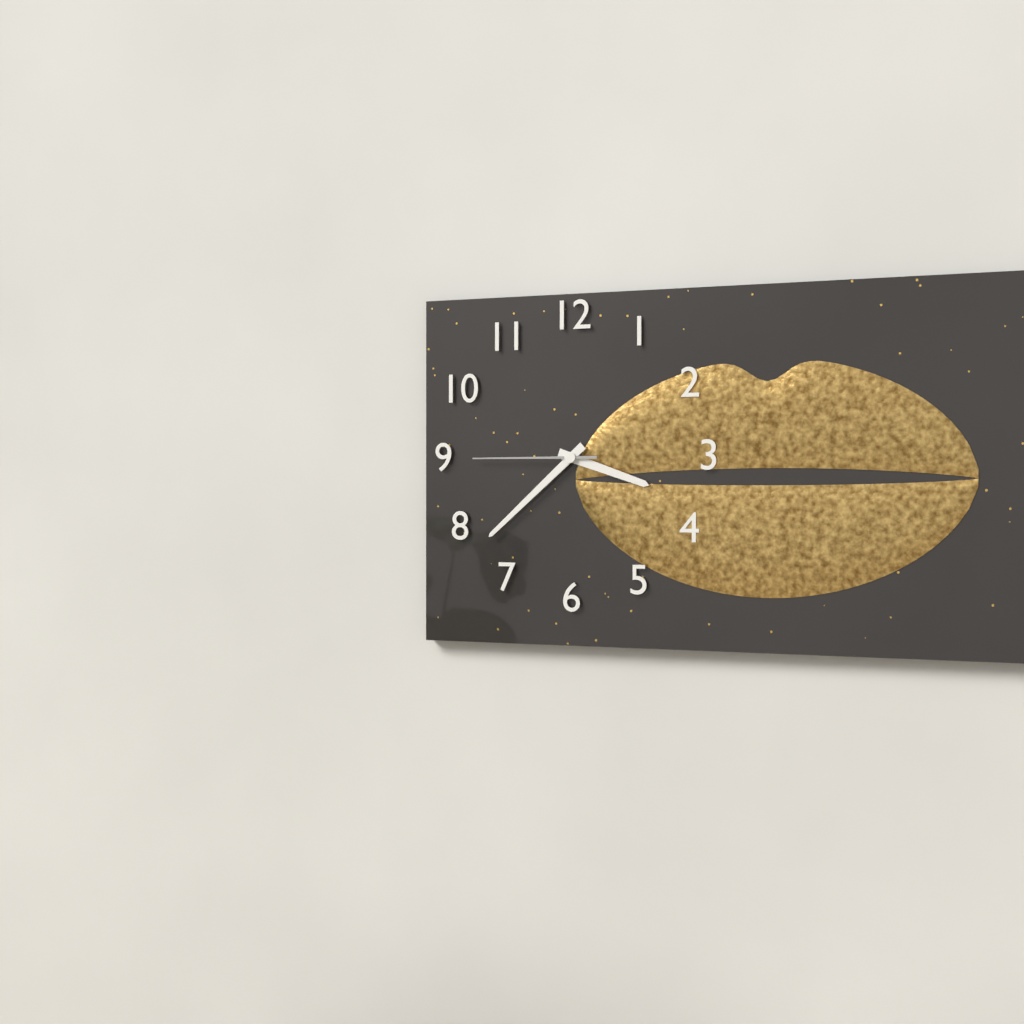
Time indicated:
**3:38:45**
